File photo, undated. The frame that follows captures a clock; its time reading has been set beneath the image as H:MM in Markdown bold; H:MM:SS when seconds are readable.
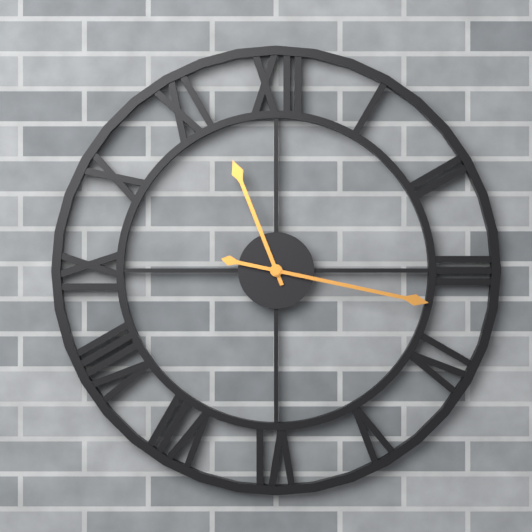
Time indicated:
**11:17**
